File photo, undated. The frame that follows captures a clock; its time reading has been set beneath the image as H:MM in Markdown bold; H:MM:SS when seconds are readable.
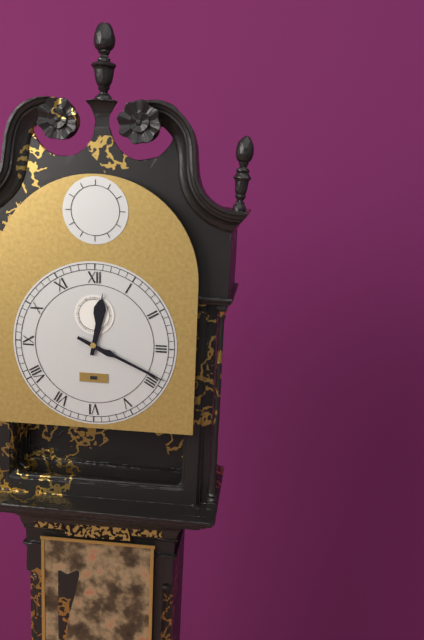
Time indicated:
**12:19**
